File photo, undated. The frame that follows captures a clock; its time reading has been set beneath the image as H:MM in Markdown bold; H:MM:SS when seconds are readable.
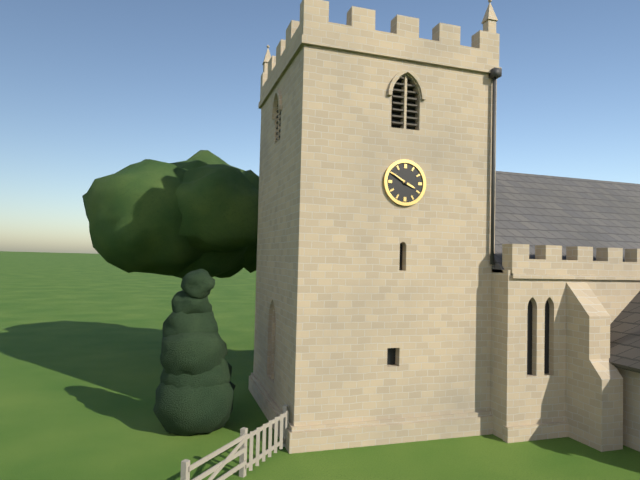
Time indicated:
**3:50**
